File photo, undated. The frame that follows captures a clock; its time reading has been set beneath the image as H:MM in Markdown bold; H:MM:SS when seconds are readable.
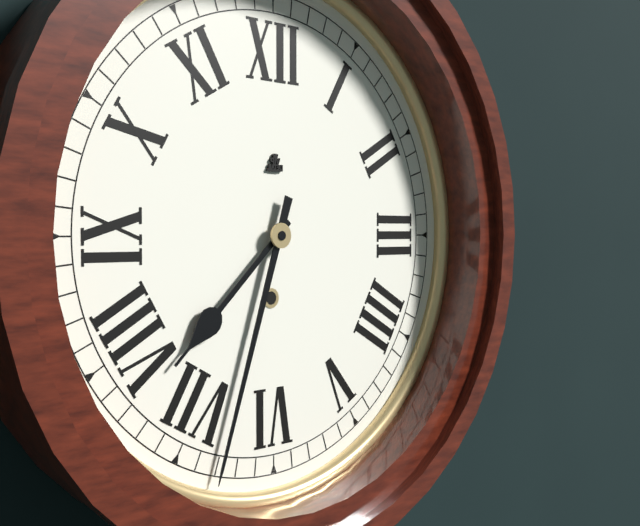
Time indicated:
**7:33**
